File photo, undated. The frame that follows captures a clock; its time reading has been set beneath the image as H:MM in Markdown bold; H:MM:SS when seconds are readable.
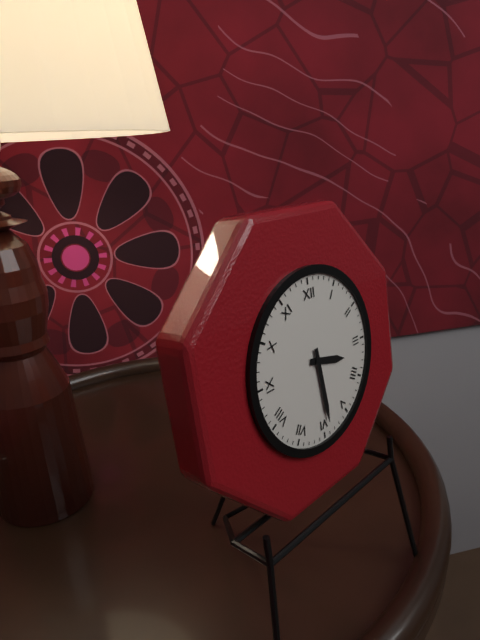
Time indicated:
**3:29**
